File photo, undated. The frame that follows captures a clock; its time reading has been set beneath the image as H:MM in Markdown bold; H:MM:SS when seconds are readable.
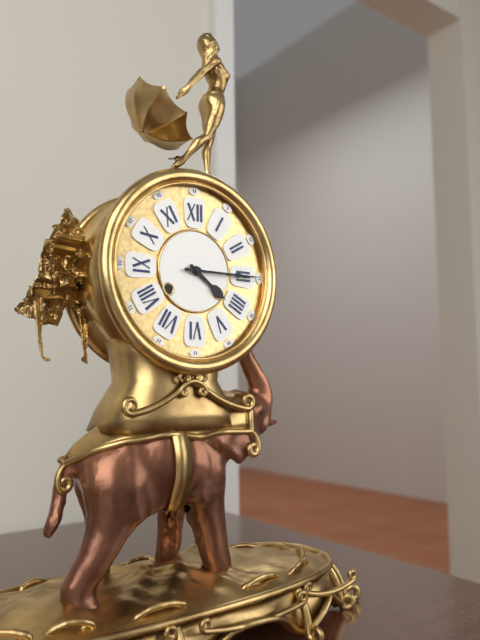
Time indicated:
**4:15**
